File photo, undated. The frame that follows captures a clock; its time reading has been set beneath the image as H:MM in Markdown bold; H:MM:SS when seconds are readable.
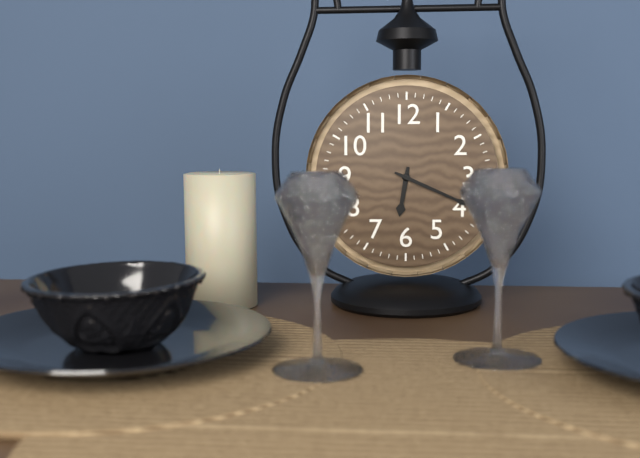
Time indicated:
**6:19**
